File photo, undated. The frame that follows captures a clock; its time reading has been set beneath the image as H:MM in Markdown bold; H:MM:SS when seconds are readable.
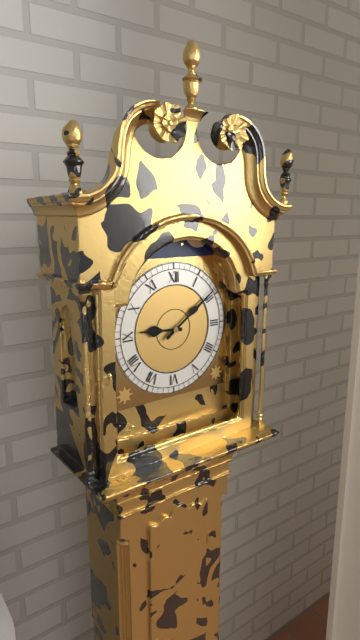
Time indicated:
**9:09**
